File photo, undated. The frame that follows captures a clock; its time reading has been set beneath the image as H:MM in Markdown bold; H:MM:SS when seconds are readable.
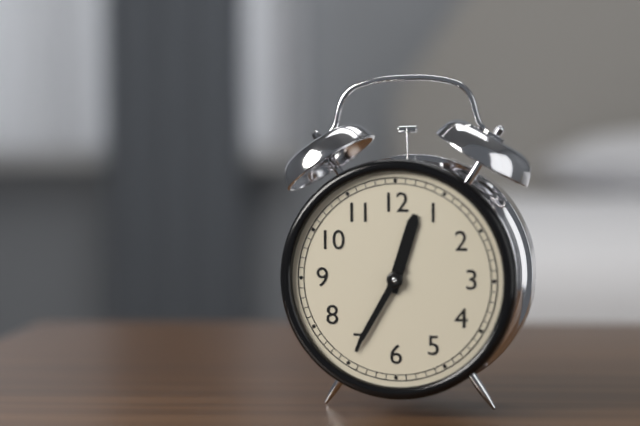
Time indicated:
**12:35**
